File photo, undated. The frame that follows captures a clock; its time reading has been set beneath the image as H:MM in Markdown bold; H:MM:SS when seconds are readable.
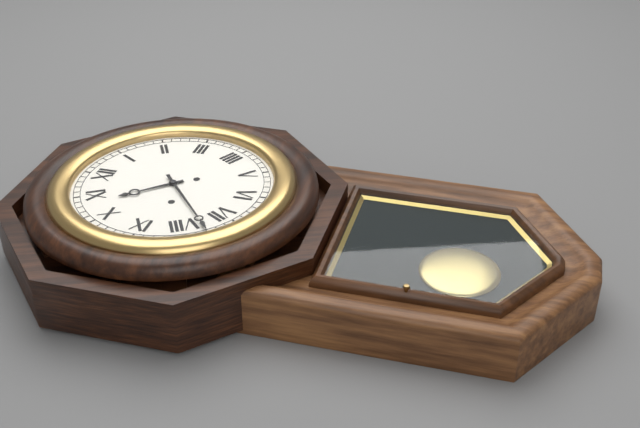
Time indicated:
**10:38**
